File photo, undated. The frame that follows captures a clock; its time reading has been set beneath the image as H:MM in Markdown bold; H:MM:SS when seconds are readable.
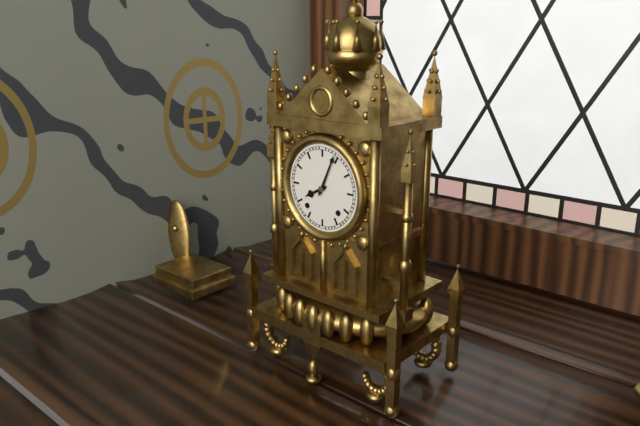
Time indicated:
**8:04**
